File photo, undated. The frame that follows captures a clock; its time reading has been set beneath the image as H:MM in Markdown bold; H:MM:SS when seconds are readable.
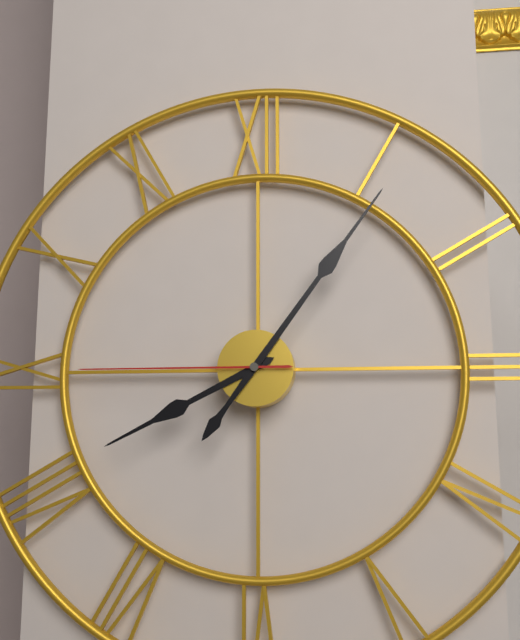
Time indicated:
**8:06:45**
